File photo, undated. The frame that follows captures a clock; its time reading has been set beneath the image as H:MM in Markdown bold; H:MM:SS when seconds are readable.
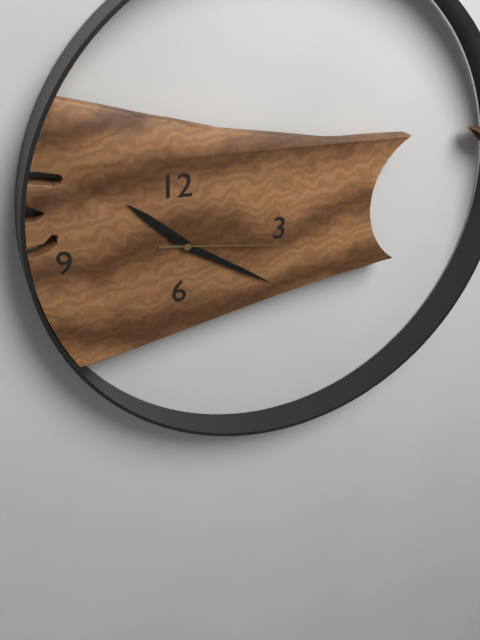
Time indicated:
**10:20:16**
